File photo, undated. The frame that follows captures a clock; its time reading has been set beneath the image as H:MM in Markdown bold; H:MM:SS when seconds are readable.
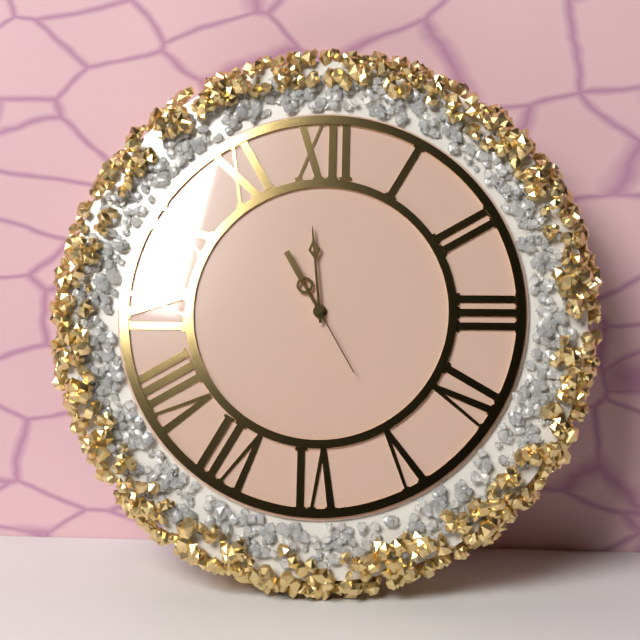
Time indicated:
**10:59:25**
